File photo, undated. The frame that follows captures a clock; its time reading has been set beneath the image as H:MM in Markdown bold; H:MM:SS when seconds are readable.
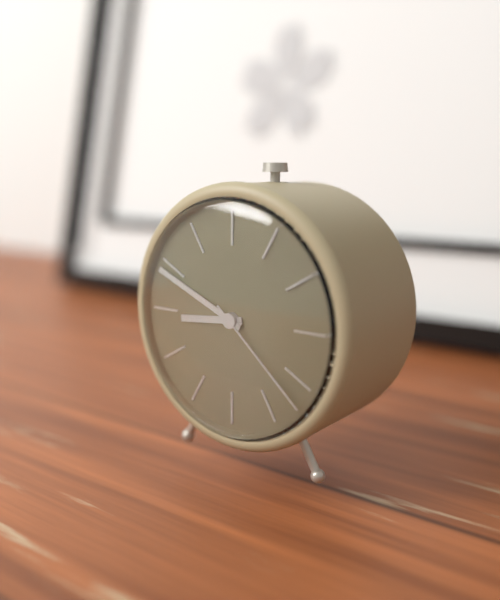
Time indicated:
**8:49:22**
